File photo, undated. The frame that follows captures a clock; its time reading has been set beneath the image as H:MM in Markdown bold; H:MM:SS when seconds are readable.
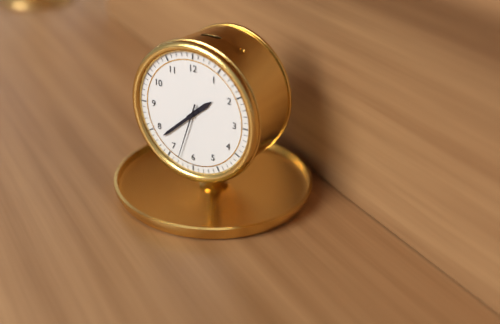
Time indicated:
**1:38:33**
